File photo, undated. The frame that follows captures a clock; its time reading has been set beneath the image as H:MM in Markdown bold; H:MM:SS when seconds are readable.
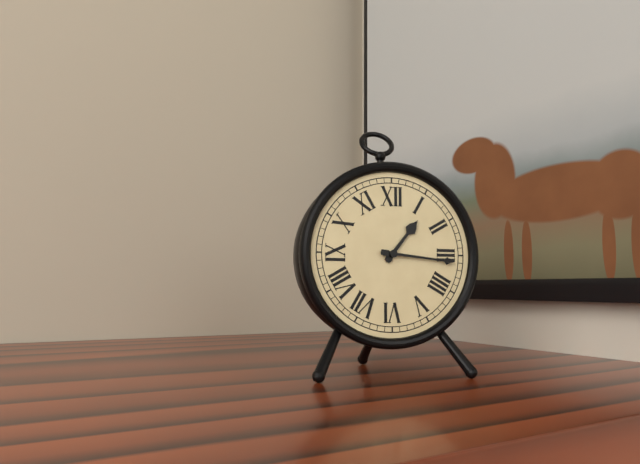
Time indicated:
**1:16**
